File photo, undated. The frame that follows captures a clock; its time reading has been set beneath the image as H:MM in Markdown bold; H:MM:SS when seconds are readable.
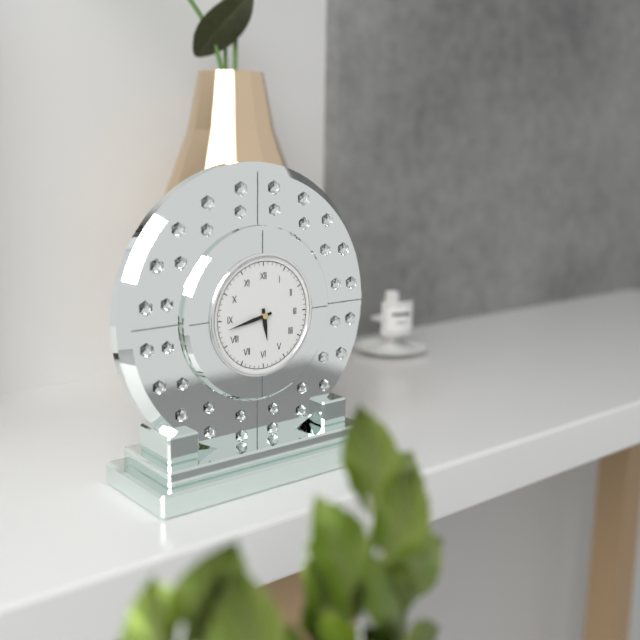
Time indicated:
**5:43**
